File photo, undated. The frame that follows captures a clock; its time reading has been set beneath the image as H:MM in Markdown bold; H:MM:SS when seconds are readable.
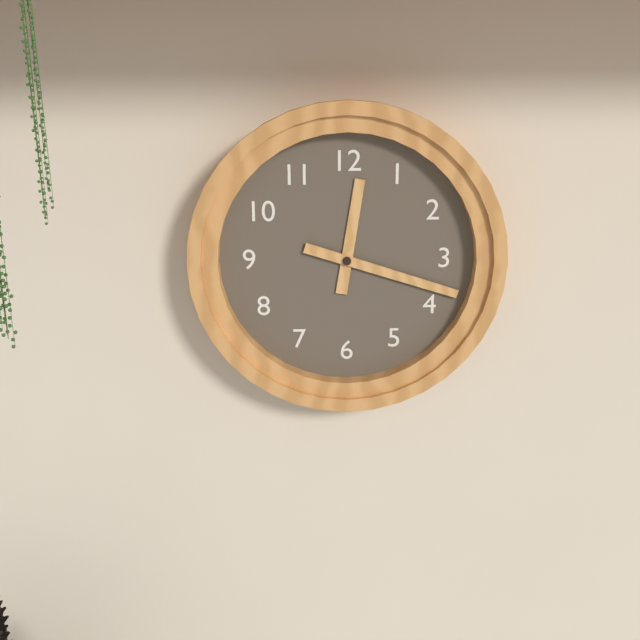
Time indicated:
**12:18**
